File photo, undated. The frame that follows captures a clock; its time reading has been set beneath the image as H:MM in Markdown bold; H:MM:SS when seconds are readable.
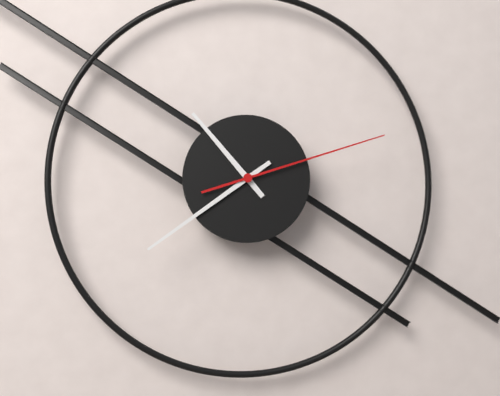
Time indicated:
**10:39:12**
